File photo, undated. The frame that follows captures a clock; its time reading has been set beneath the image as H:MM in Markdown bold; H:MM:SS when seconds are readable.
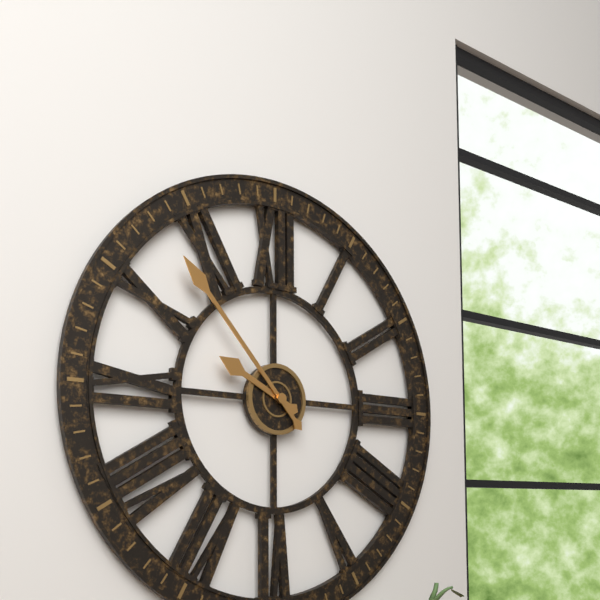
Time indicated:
**9:53**
